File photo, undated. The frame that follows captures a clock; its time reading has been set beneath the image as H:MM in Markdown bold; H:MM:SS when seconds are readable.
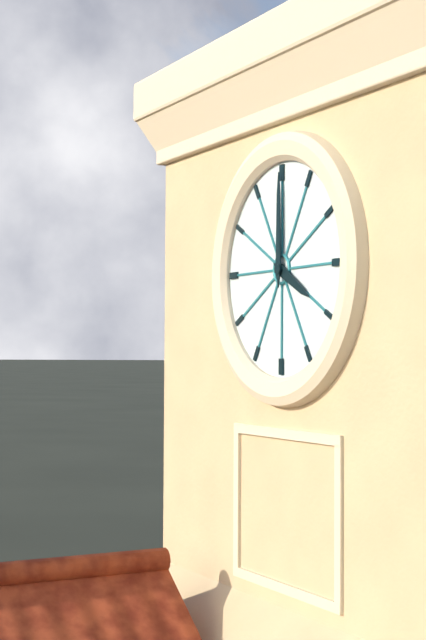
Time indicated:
**4:00**
